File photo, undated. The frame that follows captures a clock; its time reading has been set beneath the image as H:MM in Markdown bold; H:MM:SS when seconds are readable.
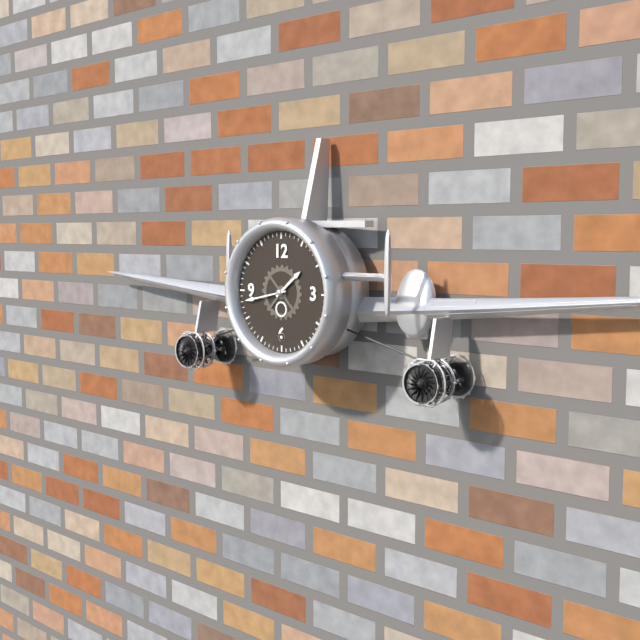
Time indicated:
**1:43**
